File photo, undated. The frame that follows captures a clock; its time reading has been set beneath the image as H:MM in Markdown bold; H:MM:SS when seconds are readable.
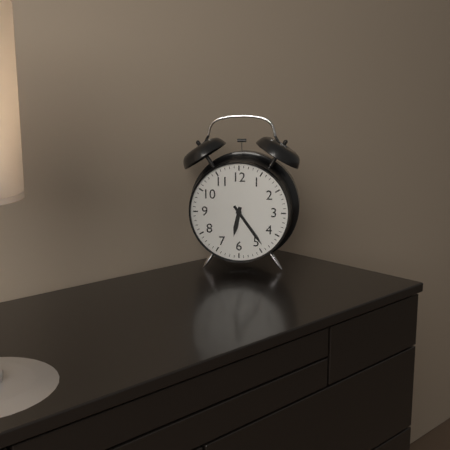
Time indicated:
**6:24**
